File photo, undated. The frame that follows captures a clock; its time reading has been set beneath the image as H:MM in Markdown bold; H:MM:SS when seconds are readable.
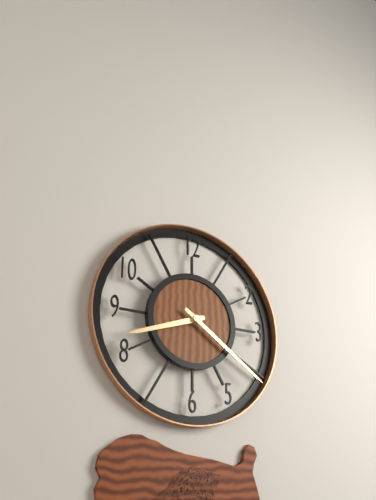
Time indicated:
**8:21**
